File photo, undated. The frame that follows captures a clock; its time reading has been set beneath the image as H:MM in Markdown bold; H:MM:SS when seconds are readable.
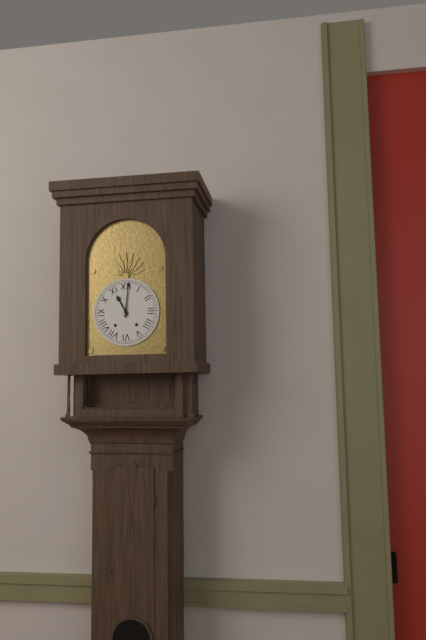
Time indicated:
**11:01**
